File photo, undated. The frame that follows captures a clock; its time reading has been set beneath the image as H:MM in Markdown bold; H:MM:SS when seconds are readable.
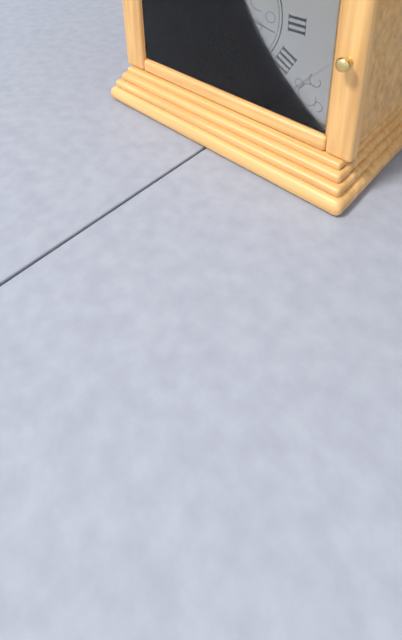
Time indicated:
**7:22:17**
